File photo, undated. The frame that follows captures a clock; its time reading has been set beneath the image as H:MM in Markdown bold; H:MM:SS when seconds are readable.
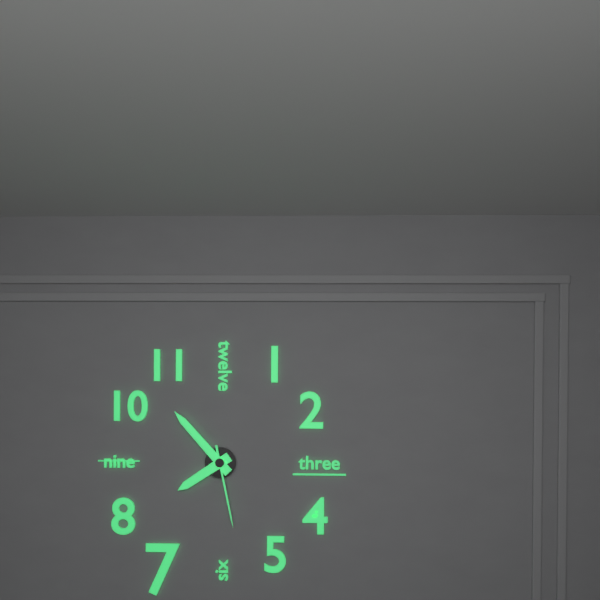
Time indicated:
**7:53:28**
